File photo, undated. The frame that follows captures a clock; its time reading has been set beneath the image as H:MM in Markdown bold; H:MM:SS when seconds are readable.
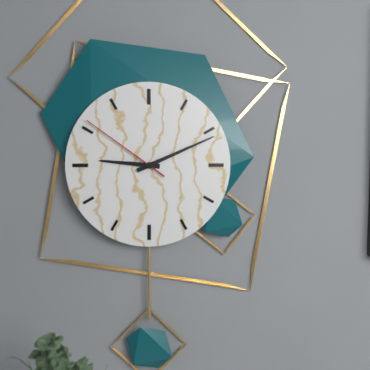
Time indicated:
**9:11:51**
